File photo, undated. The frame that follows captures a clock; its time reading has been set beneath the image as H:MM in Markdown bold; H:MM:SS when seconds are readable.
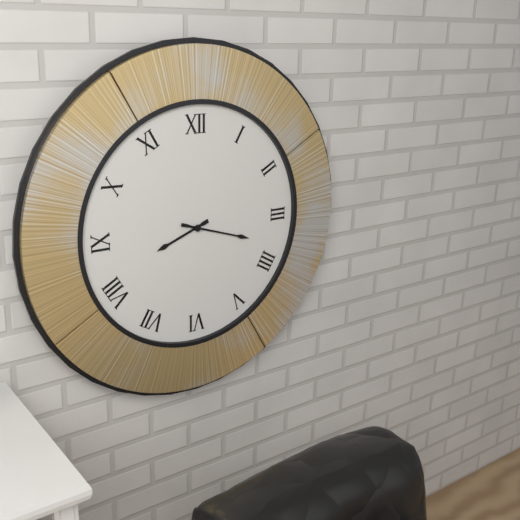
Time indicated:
**8:18**
